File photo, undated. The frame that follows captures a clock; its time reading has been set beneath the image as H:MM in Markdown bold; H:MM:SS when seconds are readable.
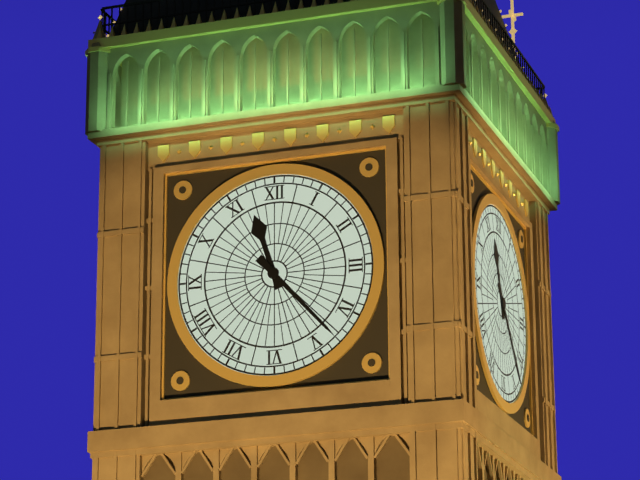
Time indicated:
**11:23**
